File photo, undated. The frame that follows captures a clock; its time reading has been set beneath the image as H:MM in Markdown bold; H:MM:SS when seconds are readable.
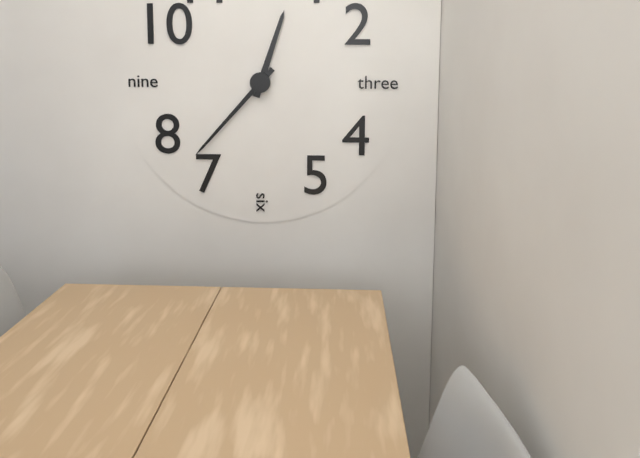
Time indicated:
**12:37**
